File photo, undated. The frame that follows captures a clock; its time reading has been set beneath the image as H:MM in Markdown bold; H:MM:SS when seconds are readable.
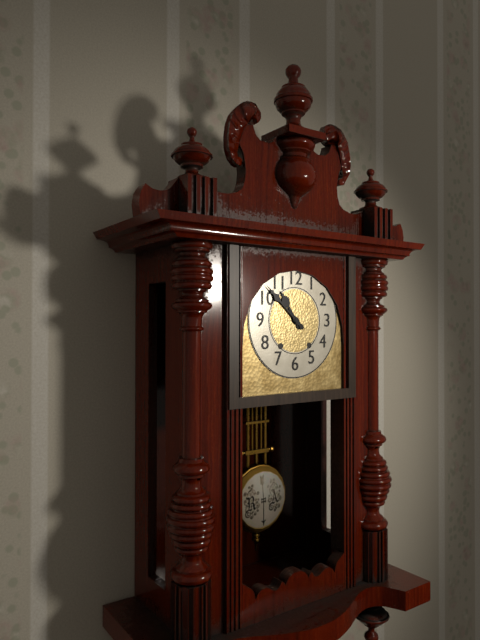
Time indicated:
**10:52**
